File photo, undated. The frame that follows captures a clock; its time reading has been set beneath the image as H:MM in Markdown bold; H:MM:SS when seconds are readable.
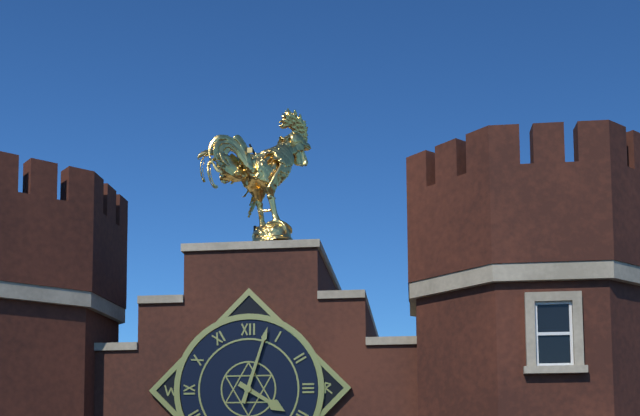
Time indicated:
**4:03**
